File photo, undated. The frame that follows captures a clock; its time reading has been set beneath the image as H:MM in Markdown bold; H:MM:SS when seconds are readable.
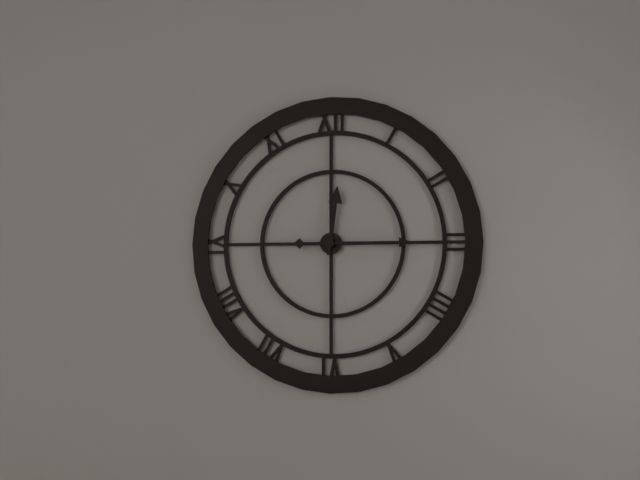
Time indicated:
**12:15**
